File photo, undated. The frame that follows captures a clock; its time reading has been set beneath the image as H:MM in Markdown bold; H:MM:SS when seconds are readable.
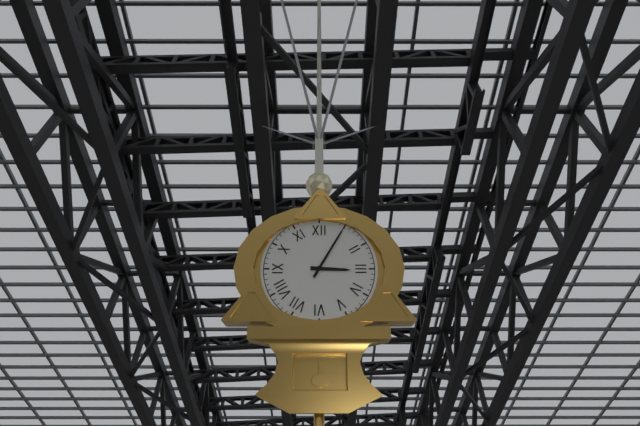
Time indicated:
**3:05**
